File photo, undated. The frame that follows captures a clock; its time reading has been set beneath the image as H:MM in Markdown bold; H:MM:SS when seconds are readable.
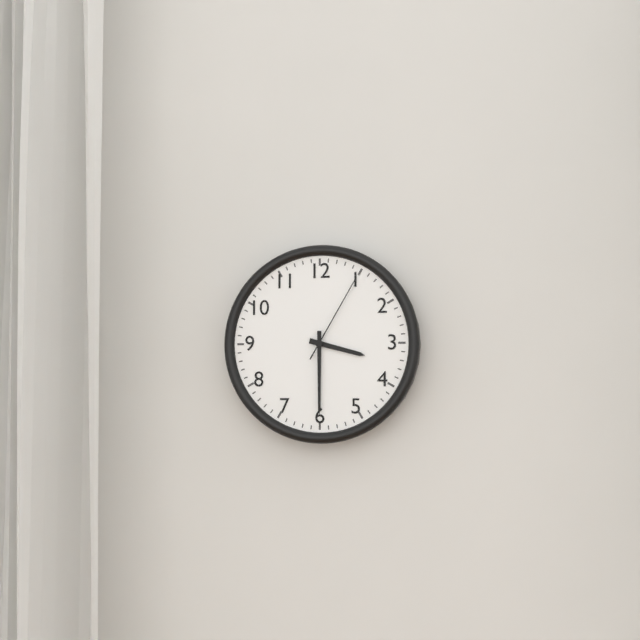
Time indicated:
**3:30:05**
